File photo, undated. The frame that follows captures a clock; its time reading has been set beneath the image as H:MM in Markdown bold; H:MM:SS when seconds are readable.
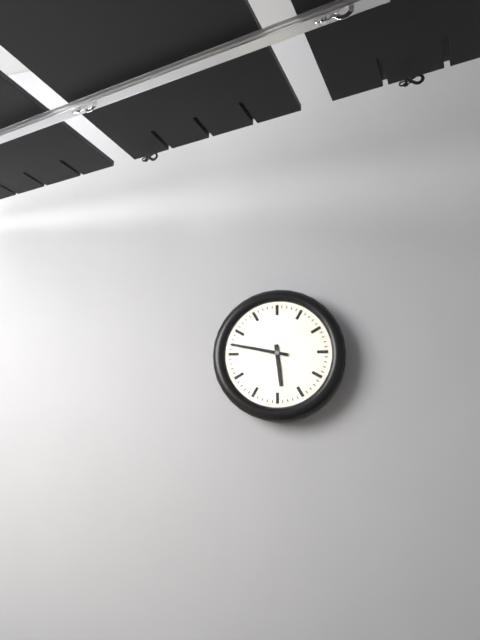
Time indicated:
**5:47**
